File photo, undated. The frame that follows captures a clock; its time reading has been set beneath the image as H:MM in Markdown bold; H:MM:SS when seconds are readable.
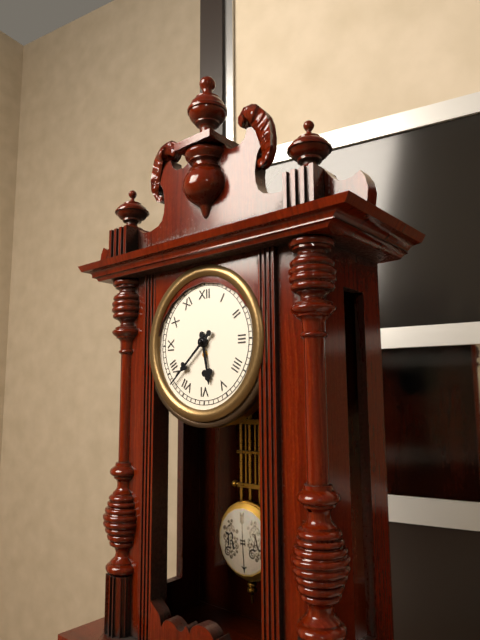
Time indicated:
**5:38**
